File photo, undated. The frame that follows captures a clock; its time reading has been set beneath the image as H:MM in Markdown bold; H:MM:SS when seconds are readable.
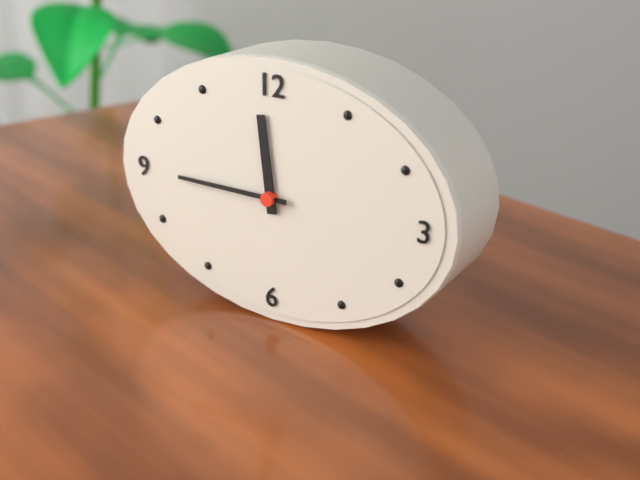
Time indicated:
**11:45**
